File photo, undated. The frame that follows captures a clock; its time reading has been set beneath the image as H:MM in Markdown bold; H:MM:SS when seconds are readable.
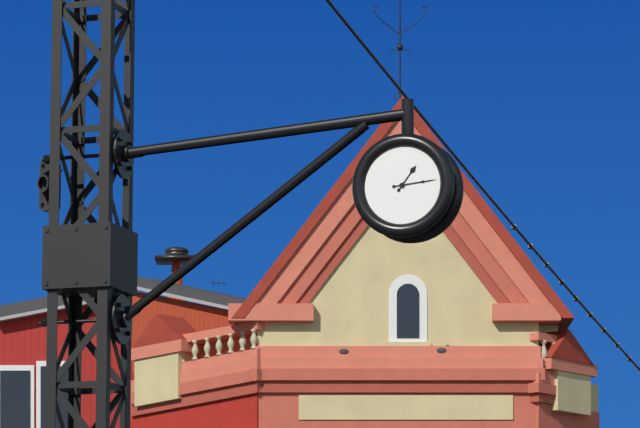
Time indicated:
**1:14**
